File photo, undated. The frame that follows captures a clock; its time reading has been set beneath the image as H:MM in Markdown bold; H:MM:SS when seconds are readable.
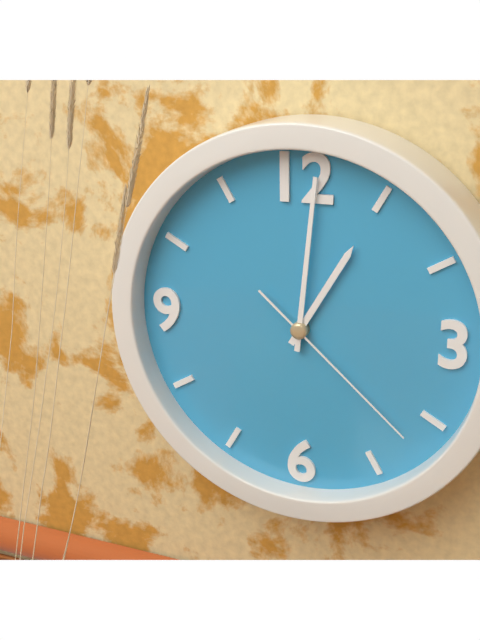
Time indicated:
**1:01:22**
